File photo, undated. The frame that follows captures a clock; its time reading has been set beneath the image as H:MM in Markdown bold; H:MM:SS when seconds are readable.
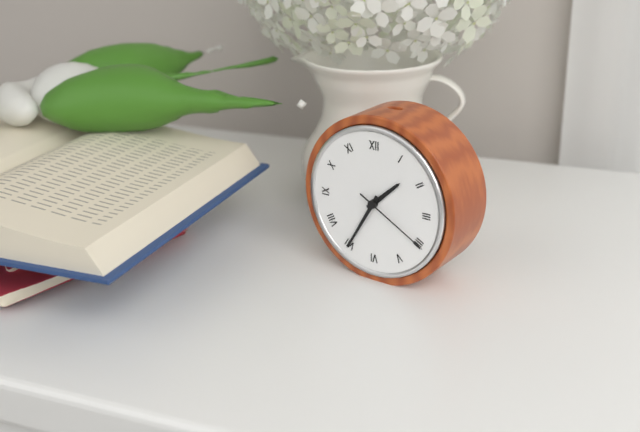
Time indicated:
**1:35:20**
